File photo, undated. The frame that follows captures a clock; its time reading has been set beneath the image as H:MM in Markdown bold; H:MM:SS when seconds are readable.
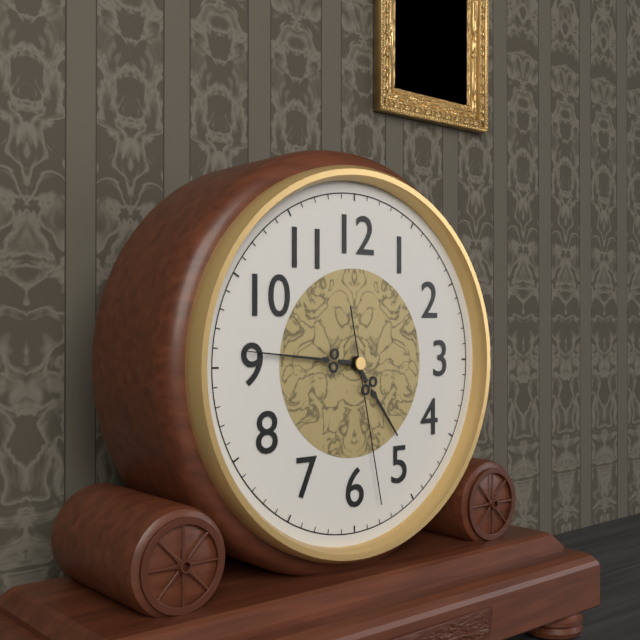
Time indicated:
**4:46:28**
